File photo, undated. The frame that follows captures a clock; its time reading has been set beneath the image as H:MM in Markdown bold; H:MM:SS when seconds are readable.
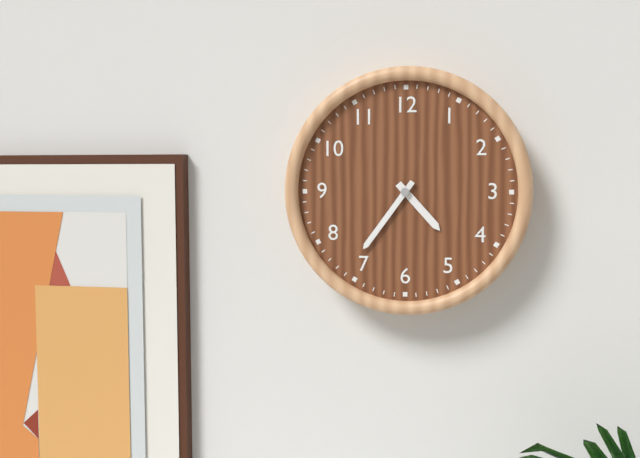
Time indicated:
**4:36**
